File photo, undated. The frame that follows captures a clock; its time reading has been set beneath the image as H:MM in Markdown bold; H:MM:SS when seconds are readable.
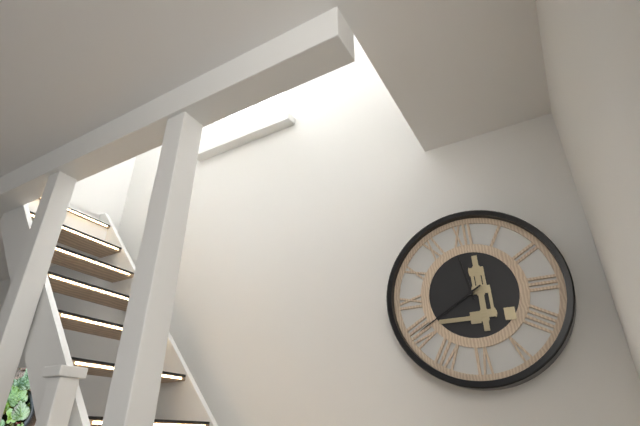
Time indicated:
**11:40**
